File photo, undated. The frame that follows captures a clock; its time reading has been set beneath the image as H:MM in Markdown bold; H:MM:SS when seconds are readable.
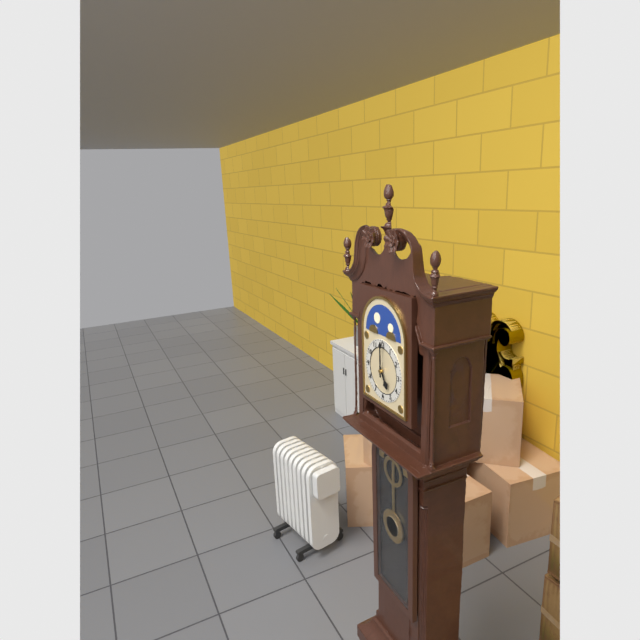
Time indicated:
**5:00**
